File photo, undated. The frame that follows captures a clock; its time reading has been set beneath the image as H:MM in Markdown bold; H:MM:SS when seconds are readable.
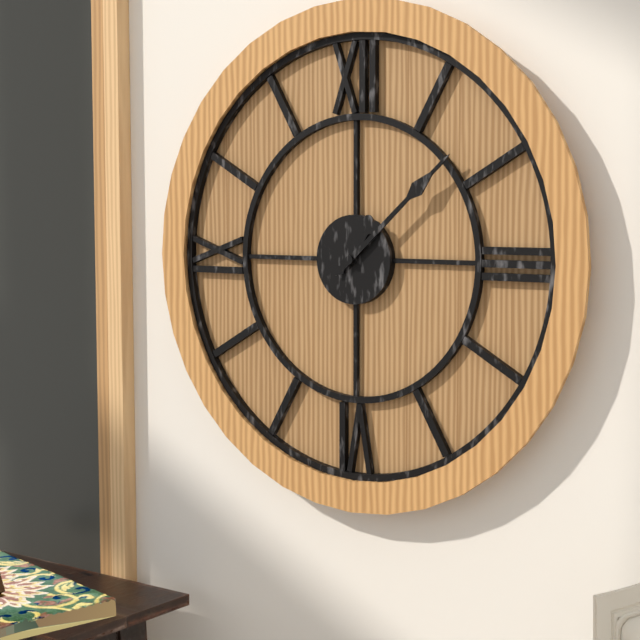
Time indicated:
**1:08**
